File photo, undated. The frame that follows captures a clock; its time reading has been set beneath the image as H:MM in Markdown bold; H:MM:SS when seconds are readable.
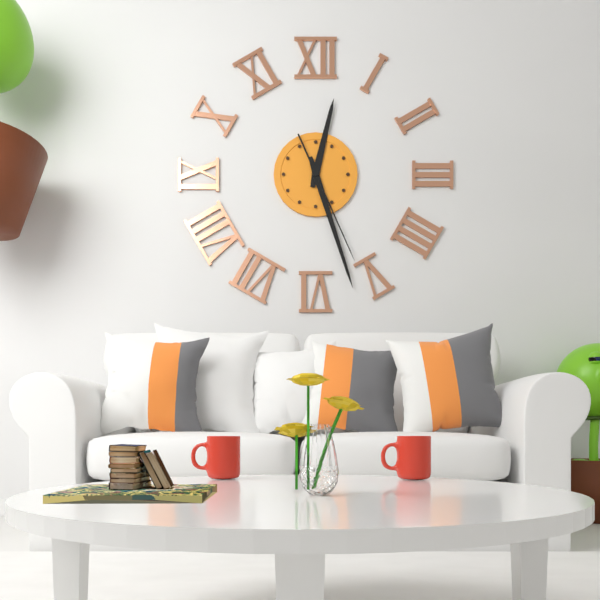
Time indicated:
**12:27:26**
